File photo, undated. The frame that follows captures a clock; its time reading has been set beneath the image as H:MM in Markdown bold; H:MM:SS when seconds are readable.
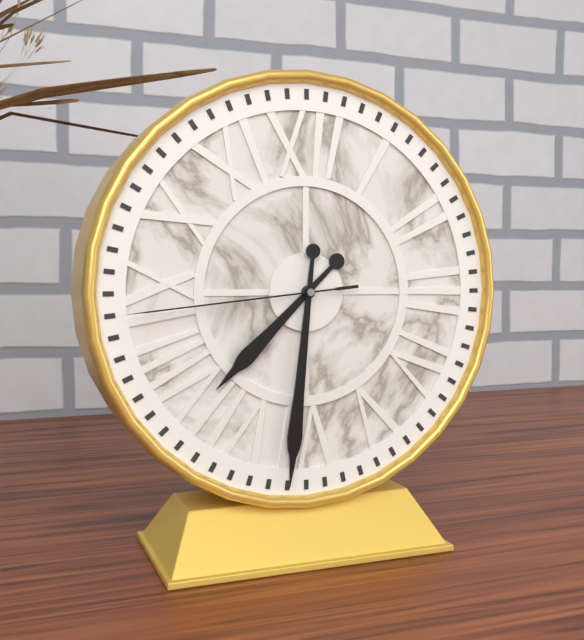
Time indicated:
**7:31:44**
